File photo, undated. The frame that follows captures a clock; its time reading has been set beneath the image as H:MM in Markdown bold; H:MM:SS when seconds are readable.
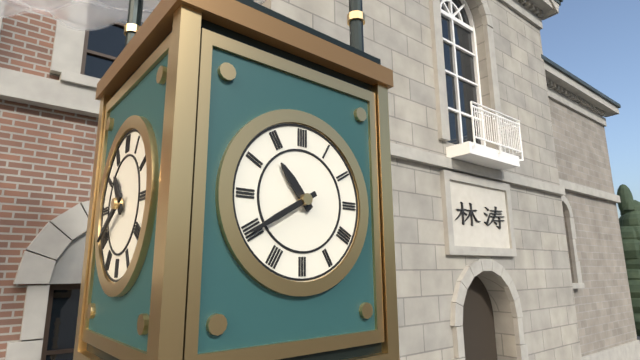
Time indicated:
**10:40**
